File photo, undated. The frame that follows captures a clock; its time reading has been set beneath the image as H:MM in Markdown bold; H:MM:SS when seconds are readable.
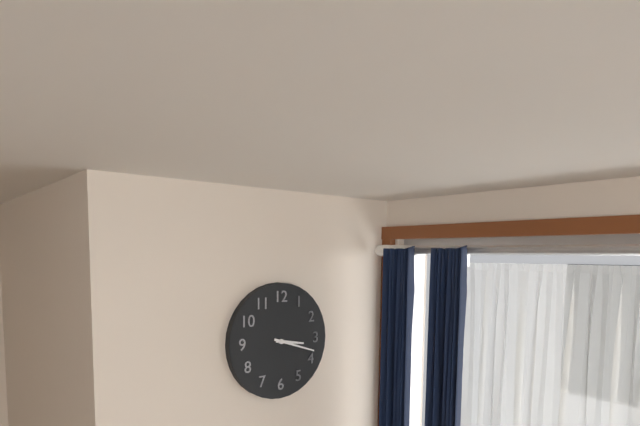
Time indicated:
**3:18**
